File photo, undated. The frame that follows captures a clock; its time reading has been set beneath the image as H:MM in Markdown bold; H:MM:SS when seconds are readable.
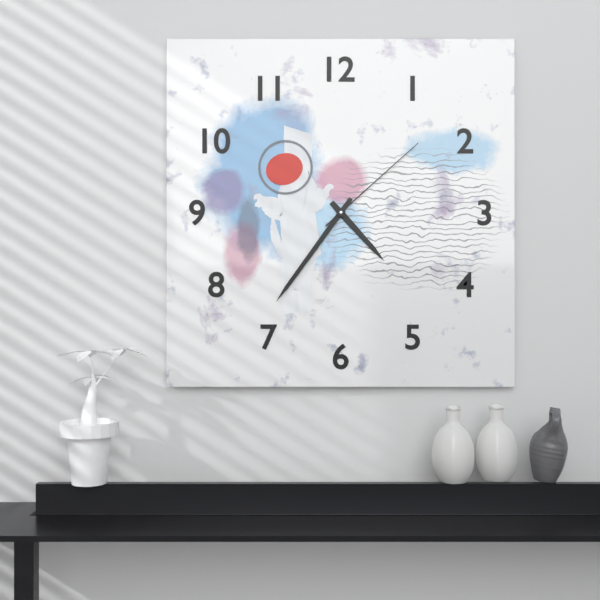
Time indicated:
**4:36:08**
